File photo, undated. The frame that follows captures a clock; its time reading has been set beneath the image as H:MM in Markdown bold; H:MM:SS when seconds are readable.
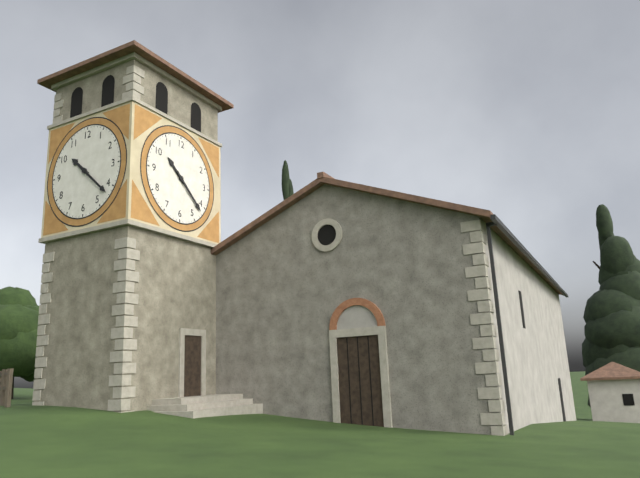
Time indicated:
**10:22**
